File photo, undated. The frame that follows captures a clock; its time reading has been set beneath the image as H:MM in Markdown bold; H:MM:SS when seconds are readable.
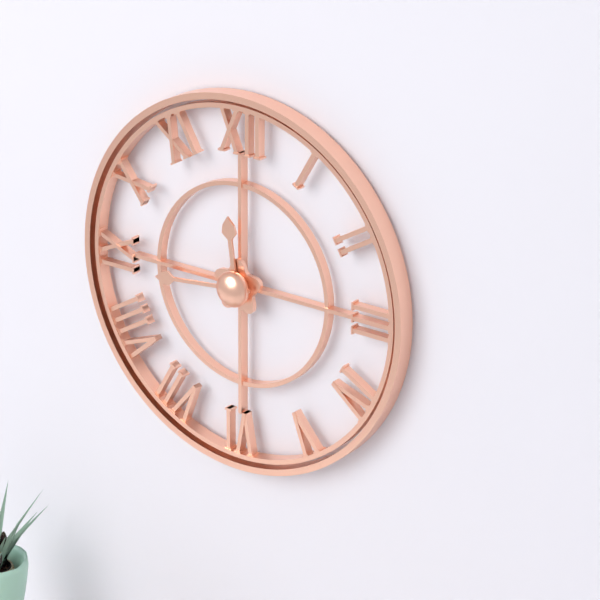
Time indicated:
**11:44**
